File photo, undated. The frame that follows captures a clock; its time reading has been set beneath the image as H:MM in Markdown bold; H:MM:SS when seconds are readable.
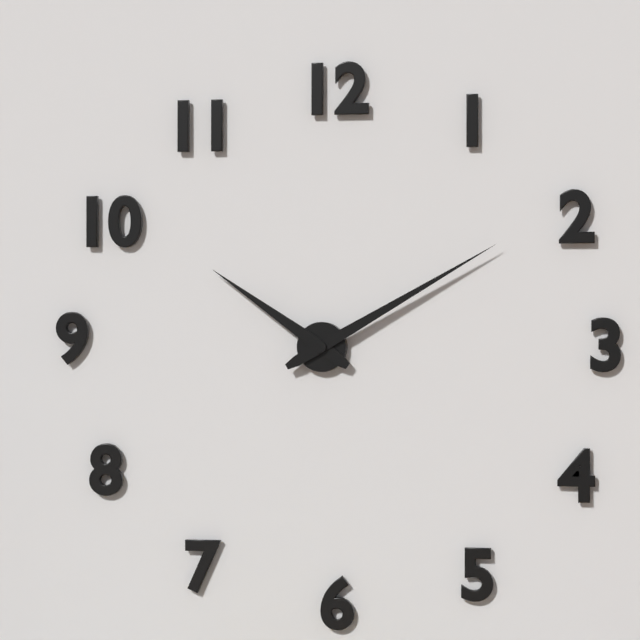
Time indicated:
**10:10**
